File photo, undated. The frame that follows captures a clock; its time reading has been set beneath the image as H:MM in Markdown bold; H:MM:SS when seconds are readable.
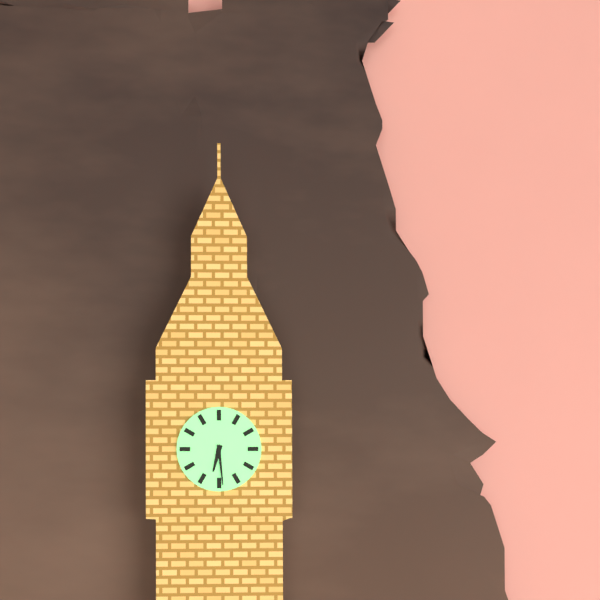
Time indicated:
**6:29**
